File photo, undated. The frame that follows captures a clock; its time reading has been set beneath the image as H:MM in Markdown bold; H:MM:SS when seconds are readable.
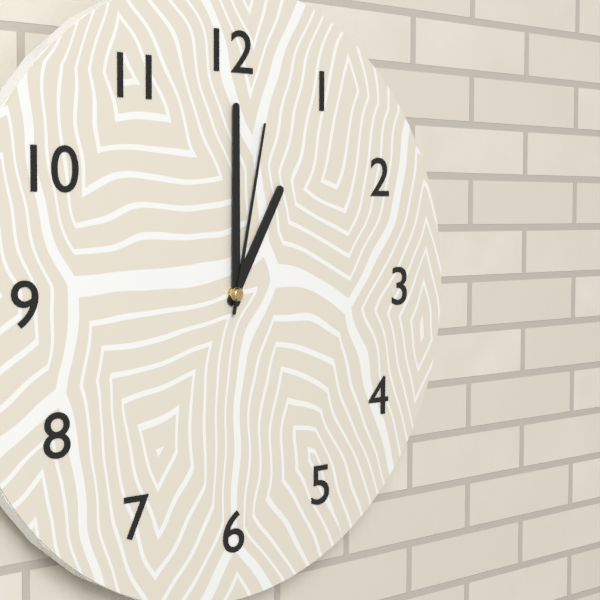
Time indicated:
**1:00:02**
